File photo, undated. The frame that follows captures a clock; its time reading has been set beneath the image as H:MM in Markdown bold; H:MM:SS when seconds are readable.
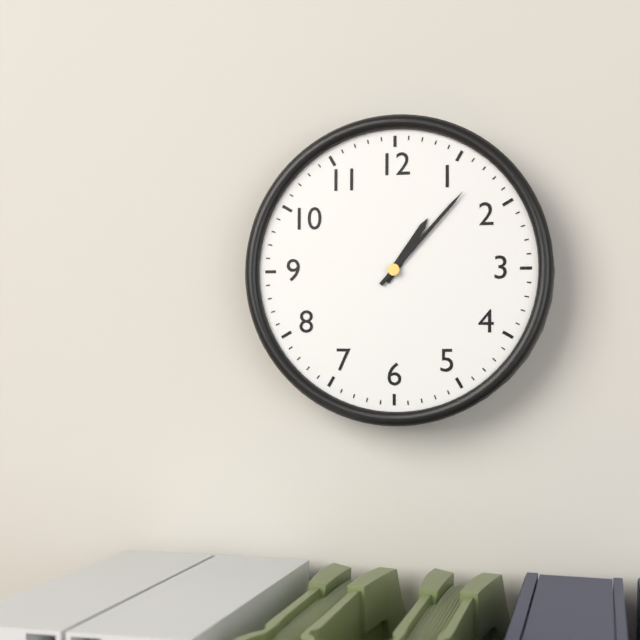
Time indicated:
**1:07**
